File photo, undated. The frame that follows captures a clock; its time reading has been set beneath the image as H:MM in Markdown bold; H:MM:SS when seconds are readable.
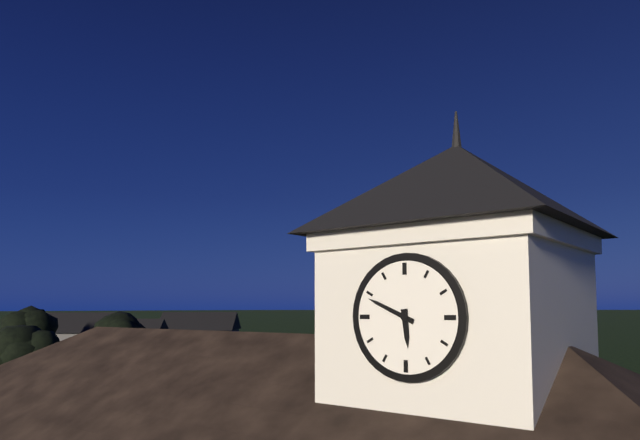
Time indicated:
**5:49**
